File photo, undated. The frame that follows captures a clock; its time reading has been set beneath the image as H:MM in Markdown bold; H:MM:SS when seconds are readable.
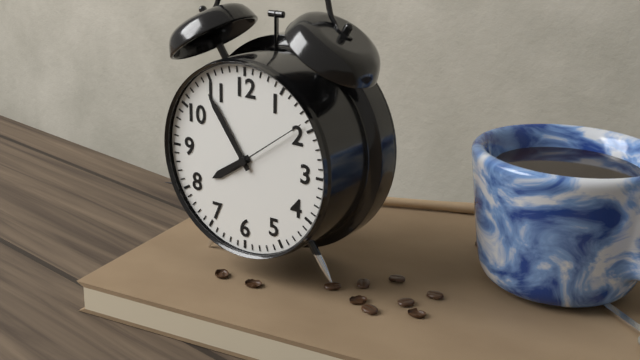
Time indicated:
**7:54:09**
